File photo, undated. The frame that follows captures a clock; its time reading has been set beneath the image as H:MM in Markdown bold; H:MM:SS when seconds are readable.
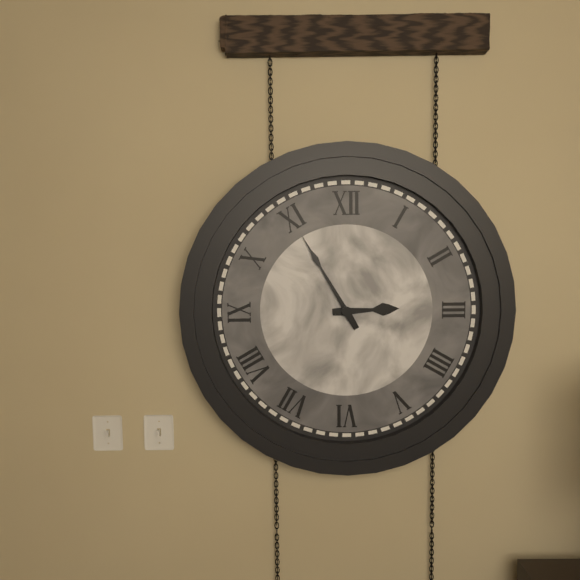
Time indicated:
**2:55**
